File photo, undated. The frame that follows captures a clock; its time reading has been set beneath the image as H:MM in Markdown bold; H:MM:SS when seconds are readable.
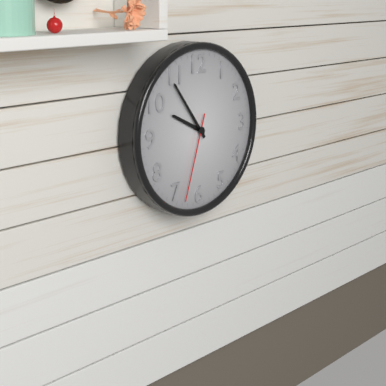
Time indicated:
**9:54:33**
